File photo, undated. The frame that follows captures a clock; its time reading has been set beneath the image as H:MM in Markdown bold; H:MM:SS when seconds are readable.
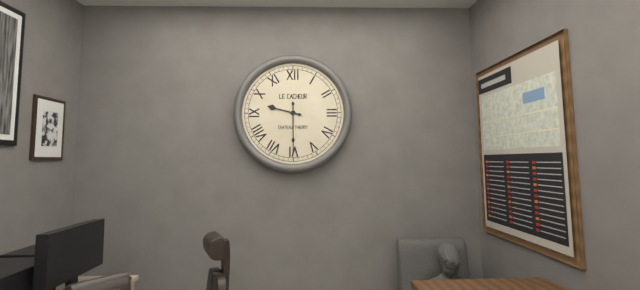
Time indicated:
**9:30**
